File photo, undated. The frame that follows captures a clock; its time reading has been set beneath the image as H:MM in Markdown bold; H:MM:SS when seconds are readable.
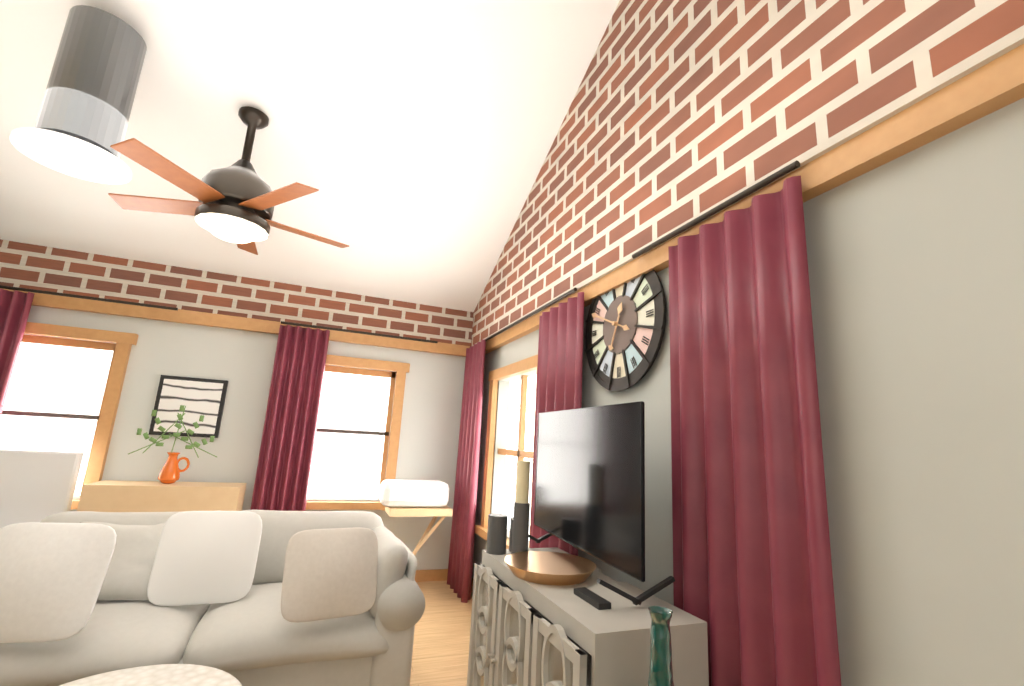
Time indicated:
**6:49**
